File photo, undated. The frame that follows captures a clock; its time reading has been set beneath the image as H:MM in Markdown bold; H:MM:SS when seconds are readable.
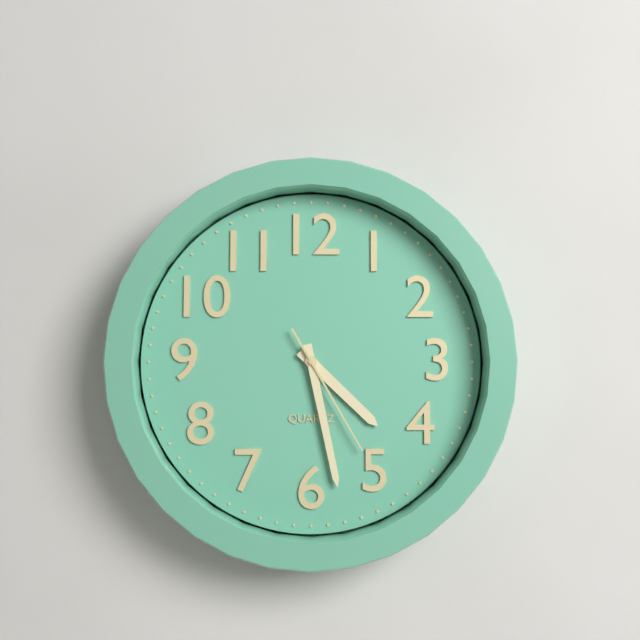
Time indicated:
**4:28:25**
